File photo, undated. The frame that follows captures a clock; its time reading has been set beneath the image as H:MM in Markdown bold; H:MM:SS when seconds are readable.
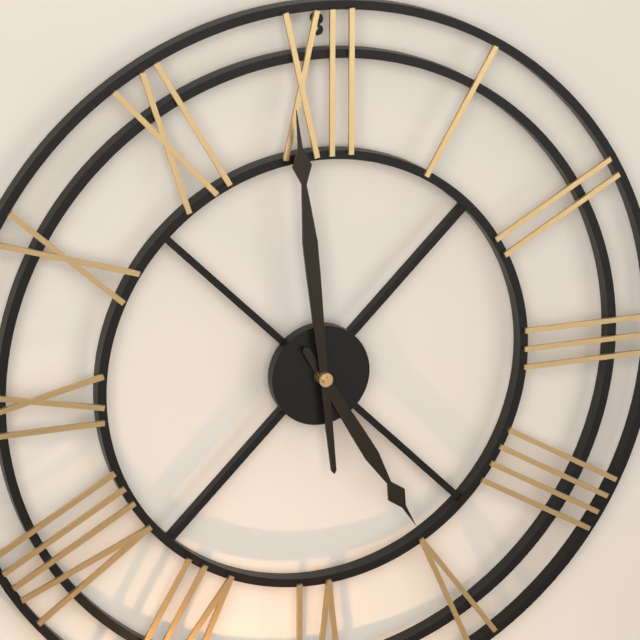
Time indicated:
**4:59**
